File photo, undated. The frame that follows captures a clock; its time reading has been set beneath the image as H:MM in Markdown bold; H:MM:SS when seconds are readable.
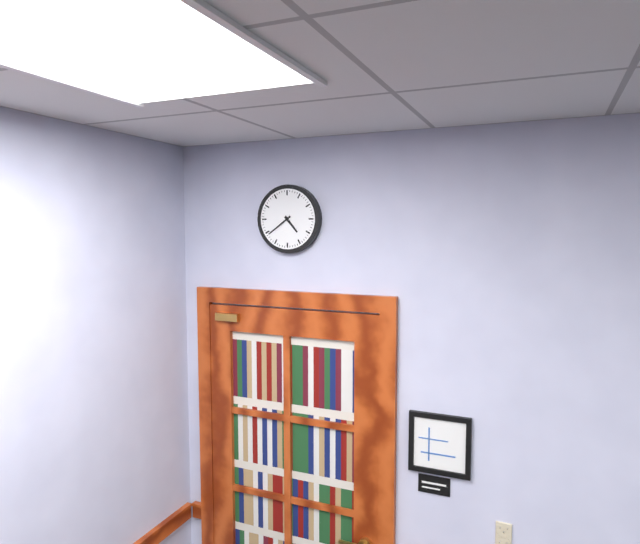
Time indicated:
**4:39**
